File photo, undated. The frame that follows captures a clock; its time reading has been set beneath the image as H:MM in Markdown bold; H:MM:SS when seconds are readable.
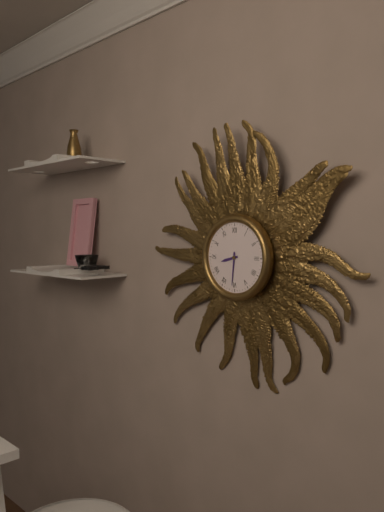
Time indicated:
**8:31**
